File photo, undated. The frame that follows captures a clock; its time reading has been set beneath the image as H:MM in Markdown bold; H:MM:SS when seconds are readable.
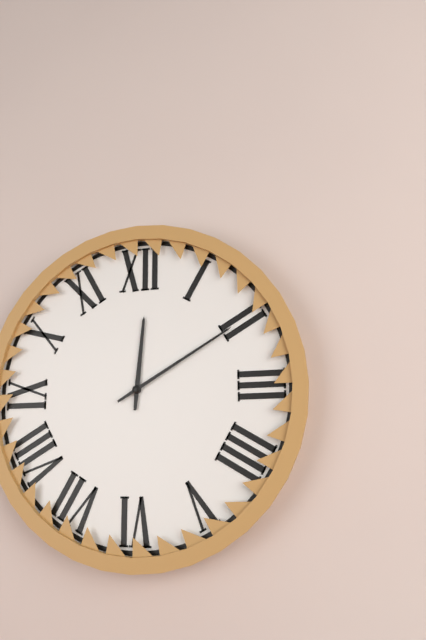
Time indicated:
**12:10**
